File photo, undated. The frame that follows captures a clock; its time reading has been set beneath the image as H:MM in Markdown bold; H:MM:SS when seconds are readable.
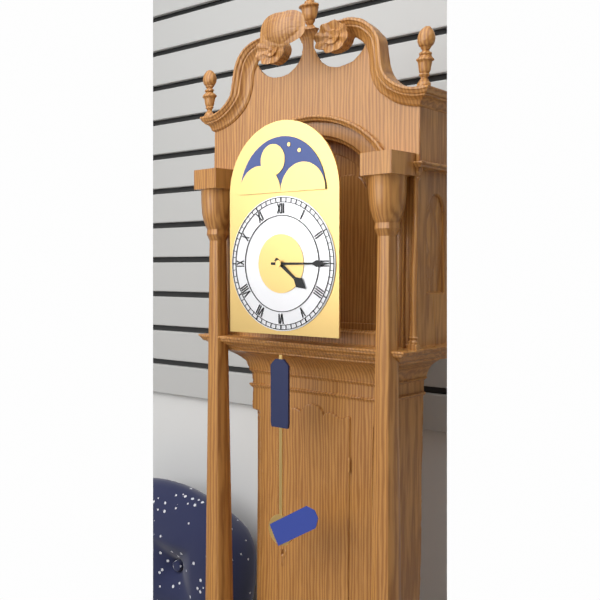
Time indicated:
**4:15**
